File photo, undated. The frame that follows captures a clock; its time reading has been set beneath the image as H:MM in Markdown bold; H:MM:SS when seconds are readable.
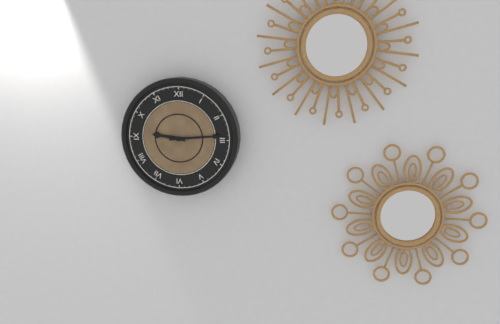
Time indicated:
**9:14**
